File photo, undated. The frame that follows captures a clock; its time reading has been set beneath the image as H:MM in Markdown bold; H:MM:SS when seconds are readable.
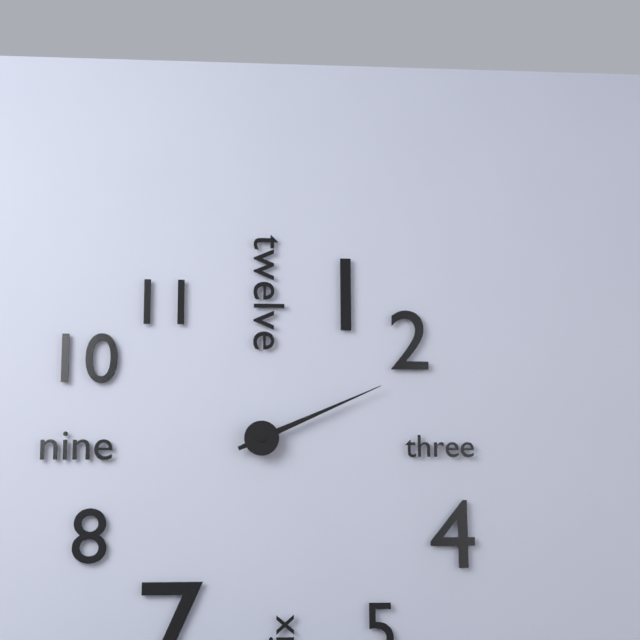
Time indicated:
**2:11**
